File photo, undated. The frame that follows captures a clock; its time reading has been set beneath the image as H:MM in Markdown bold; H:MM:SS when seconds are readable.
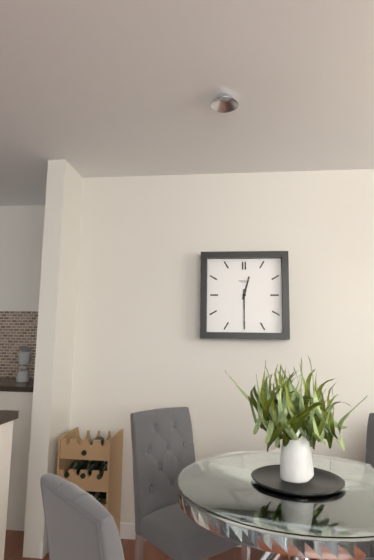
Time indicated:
**12:30**
